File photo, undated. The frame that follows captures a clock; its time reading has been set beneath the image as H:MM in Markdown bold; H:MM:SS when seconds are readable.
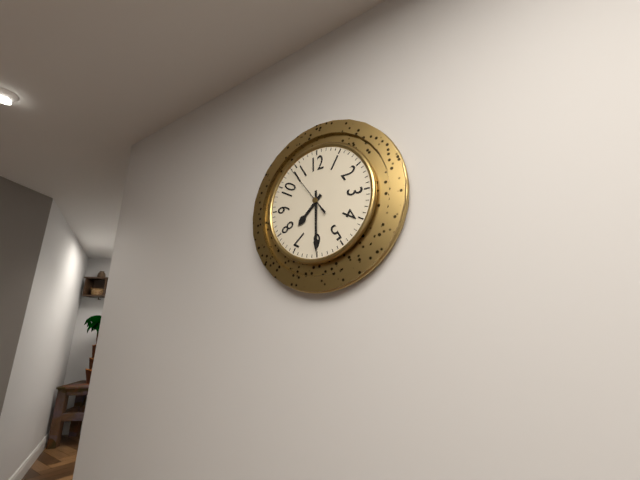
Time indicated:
**7:30:54**
